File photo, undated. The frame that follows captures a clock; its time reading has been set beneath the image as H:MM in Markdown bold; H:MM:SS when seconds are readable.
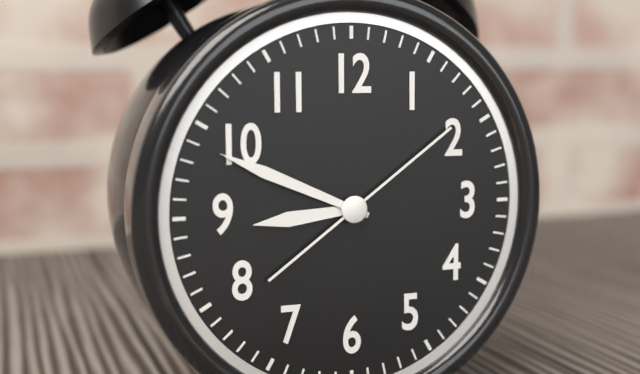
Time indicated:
**8:49:09**
